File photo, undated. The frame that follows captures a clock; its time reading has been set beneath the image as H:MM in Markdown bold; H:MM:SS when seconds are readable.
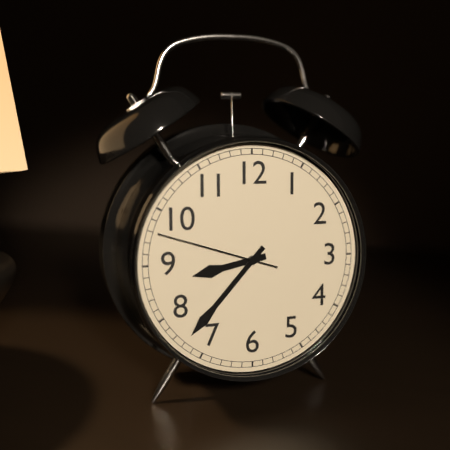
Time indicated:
**8:37:48**
